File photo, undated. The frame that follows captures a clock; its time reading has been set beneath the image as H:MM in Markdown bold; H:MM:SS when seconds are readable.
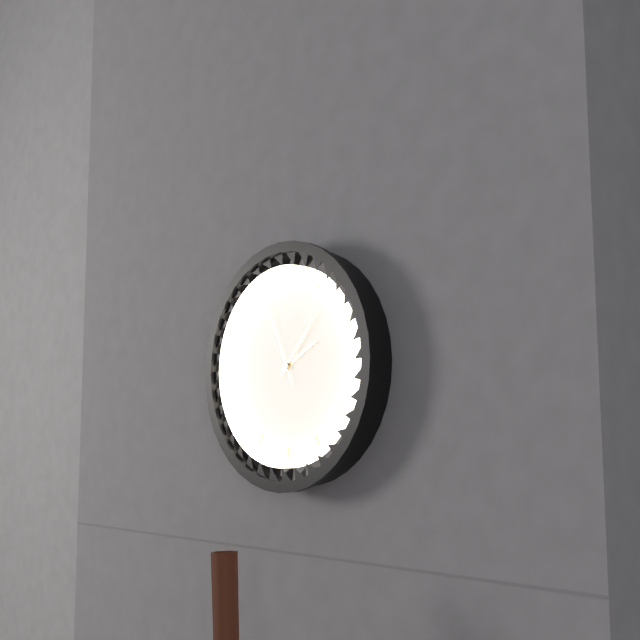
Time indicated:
**2:07:56**
